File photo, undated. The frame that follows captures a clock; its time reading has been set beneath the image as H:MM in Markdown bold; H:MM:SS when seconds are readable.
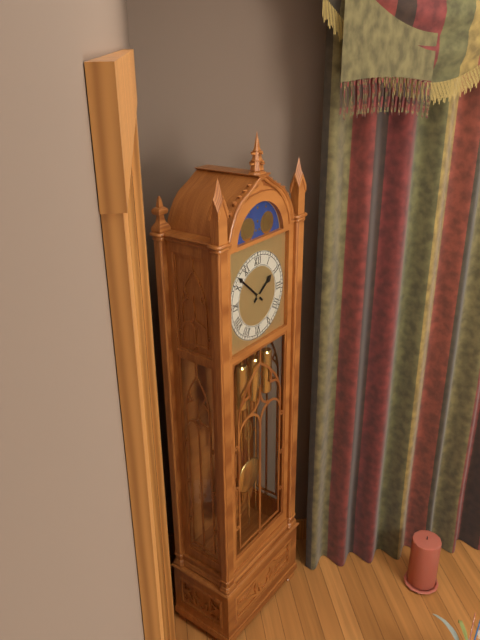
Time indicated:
**1:52**
